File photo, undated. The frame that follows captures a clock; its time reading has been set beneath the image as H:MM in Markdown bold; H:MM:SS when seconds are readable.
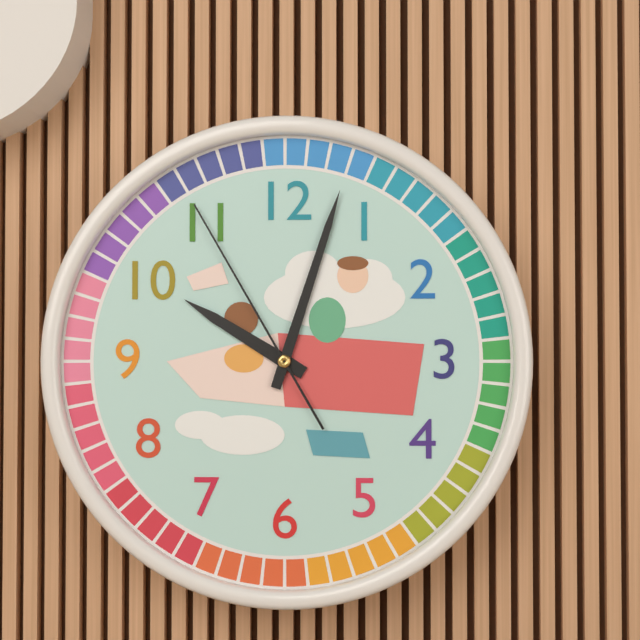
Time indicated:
**10:03:55**
